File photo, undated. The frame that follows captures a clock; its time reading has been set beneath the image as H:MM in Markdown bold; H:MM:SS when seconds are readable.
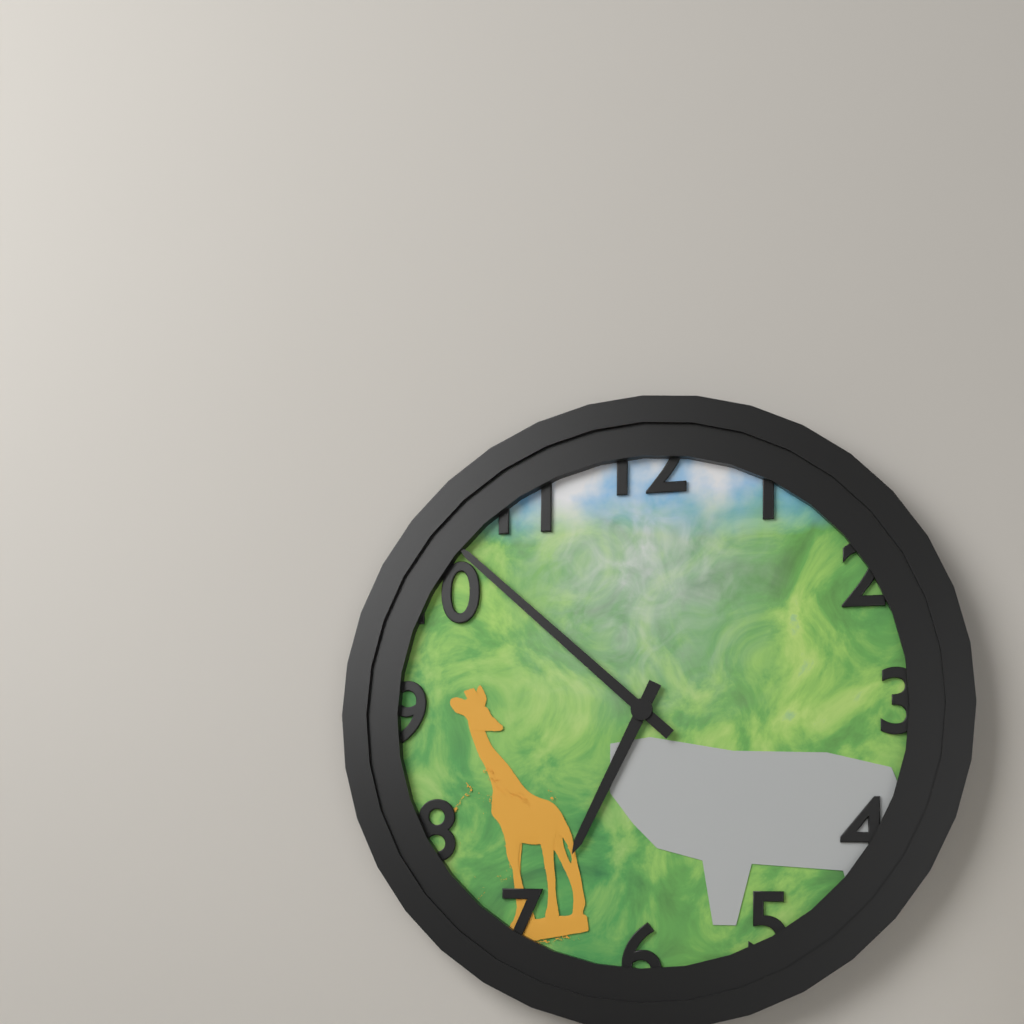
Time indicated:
**6:52**
